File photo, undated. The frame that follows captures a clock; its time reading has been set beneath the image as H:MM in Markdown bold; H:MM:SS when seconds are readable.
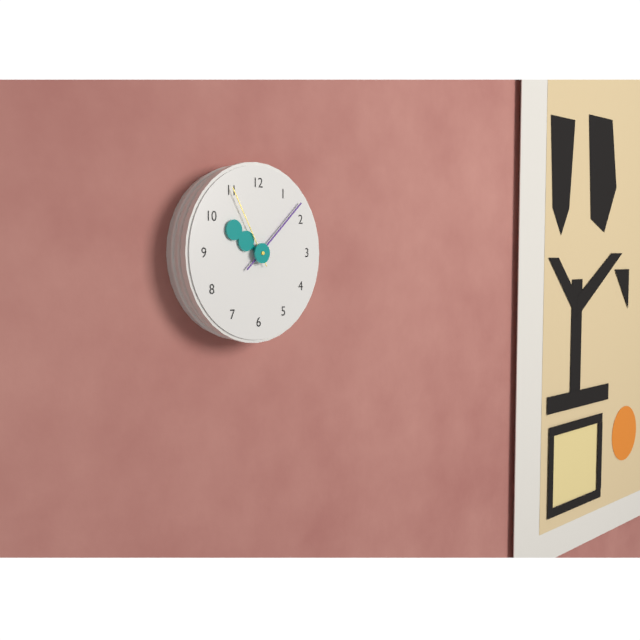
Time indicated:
**10:08:55**
